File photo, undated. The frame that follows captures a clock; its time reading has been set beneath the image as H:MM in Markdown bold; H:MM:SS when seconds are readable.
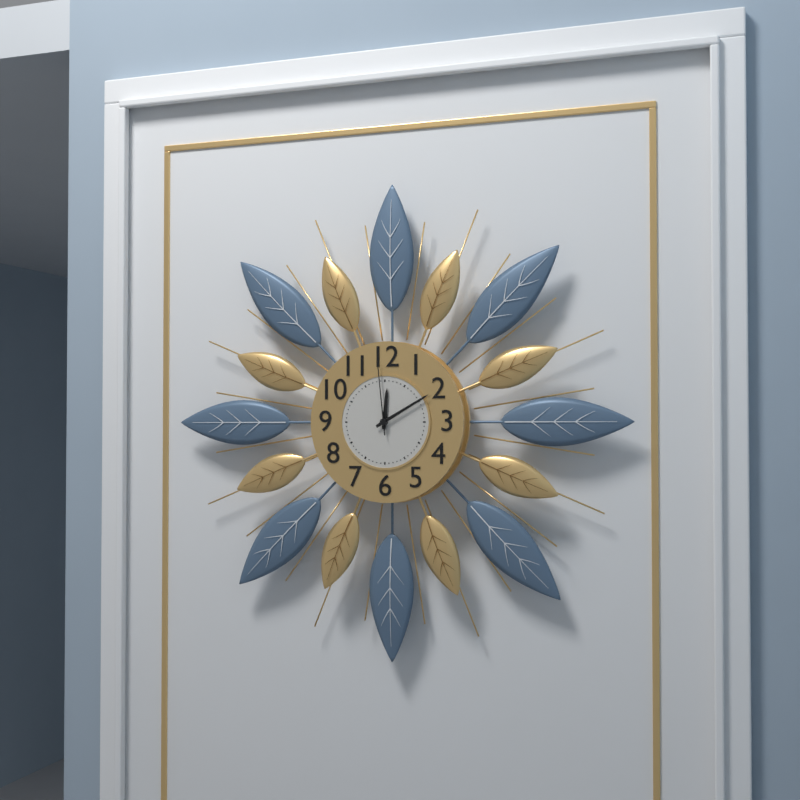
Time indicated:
**12:10:59**
